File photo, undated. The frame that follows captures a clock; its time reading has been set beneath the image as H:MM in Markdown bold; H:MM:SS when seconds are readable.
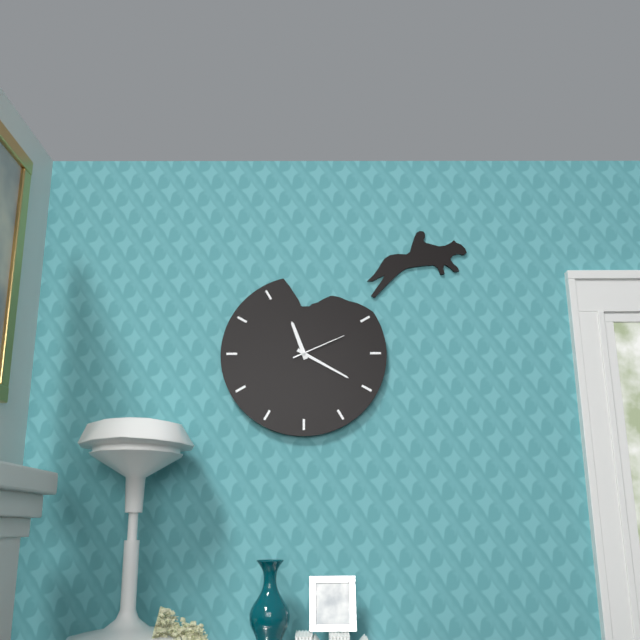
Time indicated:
**11:20:11**
